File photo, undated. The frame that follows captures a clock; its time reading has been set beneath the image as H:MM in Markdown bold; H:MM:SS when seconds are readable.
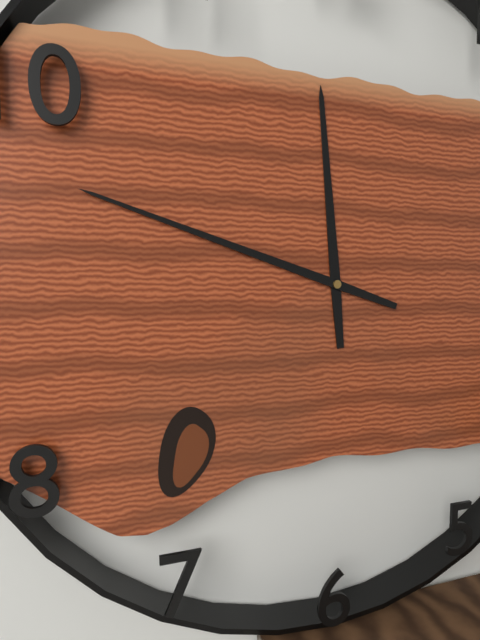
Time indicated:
**11:48**
